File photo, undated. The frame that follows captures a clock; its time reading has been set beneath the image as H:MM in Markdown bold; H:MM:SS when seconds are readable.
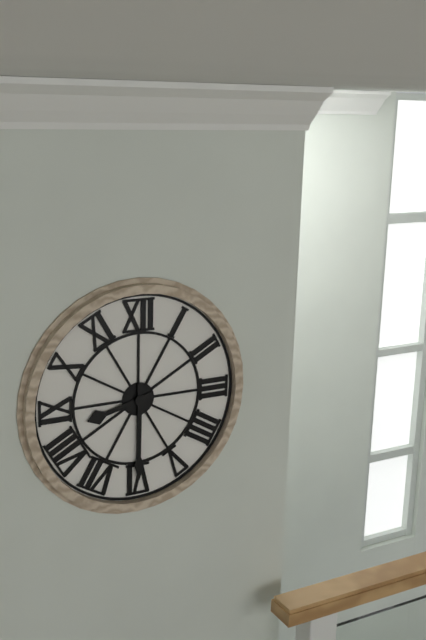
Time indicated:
**8:30**
